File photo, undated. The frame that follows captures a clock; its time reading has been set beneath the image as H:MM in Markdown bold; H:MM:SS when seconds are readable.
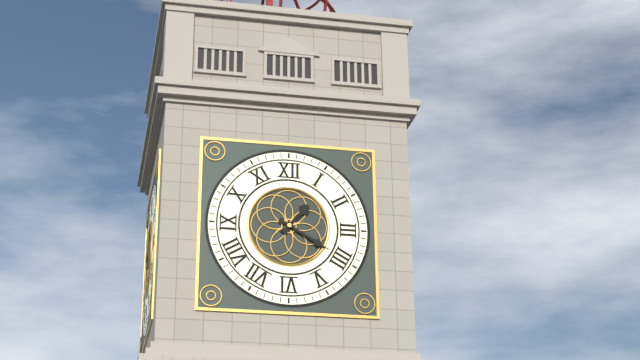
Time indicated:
**1:20**
